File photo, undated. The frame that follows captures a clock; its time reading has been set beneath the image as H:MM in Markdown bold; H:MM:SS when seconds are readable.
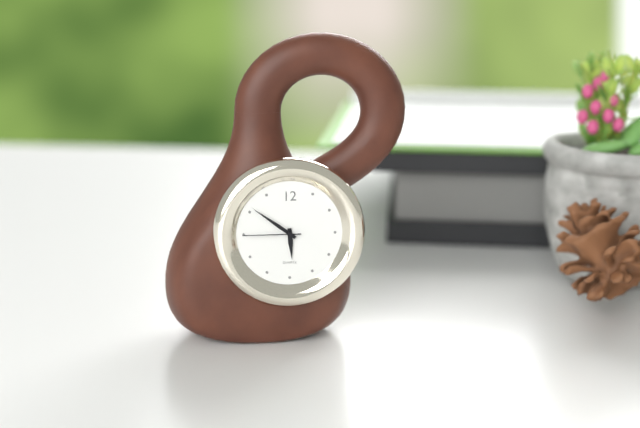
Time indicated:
**5:51:45**
